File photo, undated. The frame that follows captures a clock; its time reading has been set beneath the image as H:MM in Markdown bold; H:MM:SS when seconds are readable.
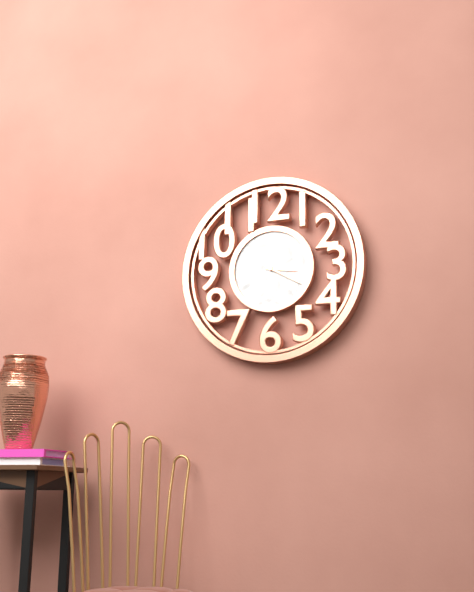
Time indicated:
**3:20**
